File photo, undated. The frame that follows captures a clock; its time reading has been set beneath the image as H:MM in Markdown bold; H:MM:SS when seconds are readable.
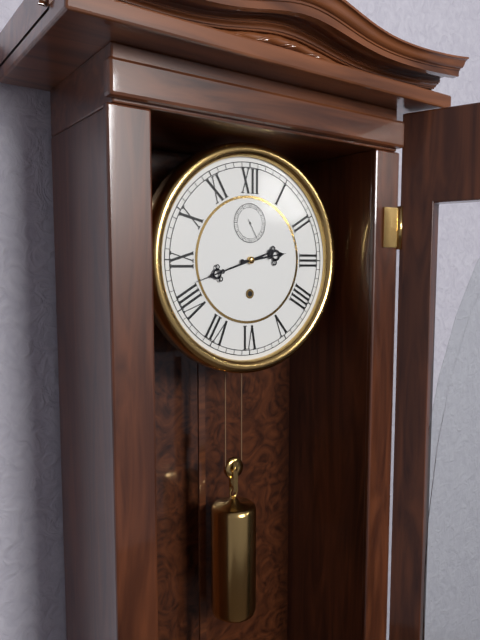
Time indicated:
**2:42**
